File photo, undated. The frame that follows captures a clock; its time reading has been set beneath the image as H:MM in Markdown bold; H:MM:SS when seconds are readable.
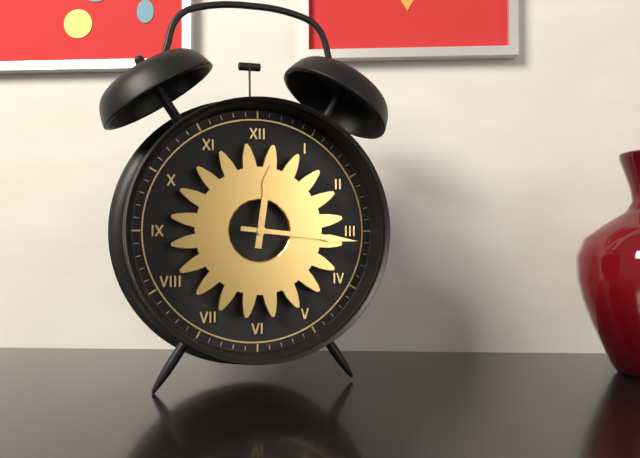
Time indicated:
**12:16**
